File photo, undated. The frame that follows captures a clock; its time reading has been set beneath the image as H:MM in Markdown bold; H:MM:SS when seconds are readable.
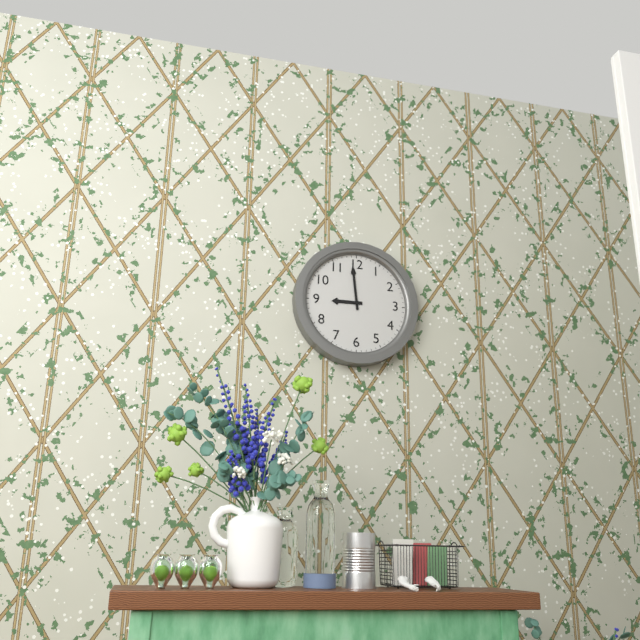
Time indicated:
**8:59**
